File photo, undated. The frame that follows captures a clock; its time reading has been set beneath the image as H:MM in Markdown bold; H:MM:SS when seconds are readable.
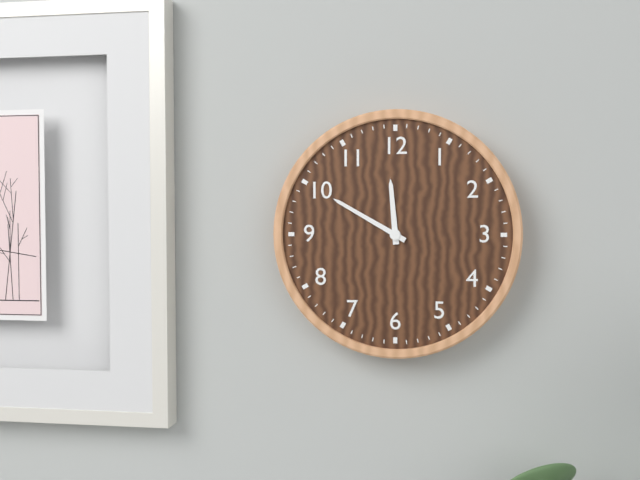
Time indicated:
**11:50**
